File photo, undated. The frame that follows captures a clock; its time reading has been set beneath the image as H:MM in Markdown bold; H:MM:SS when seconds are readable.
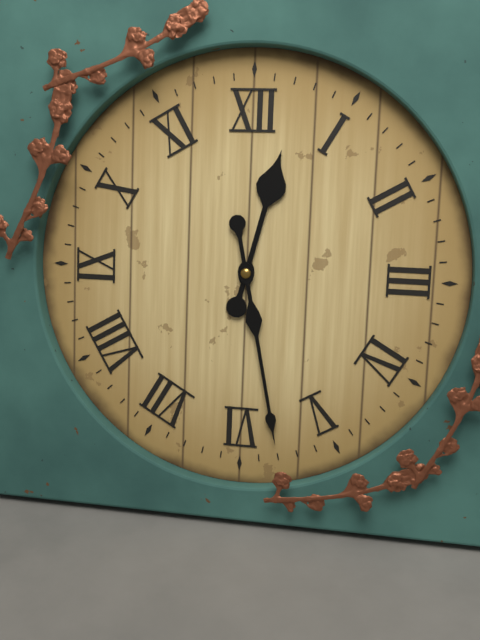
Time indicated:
**12:28**
